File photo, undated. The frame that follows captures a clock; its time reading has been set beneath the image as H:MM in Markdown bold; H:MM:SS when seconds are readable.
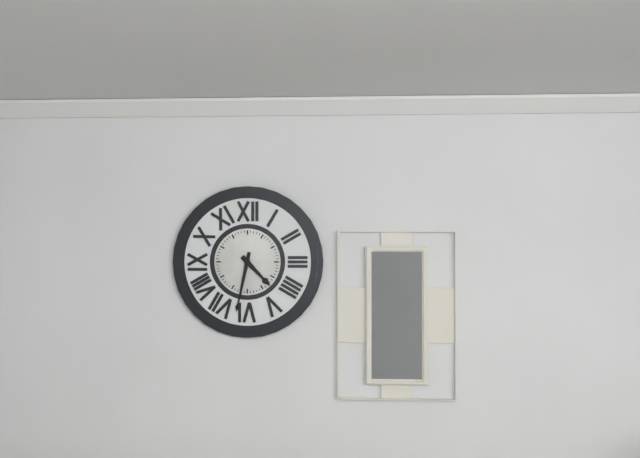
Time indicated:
**4:32**
